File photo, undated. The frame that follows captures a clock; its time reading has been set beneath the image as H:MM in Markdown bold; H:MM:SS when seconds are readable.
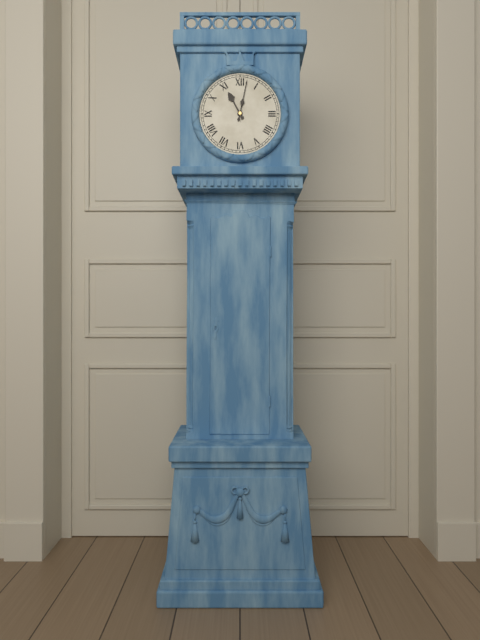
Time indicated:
**11:02**
